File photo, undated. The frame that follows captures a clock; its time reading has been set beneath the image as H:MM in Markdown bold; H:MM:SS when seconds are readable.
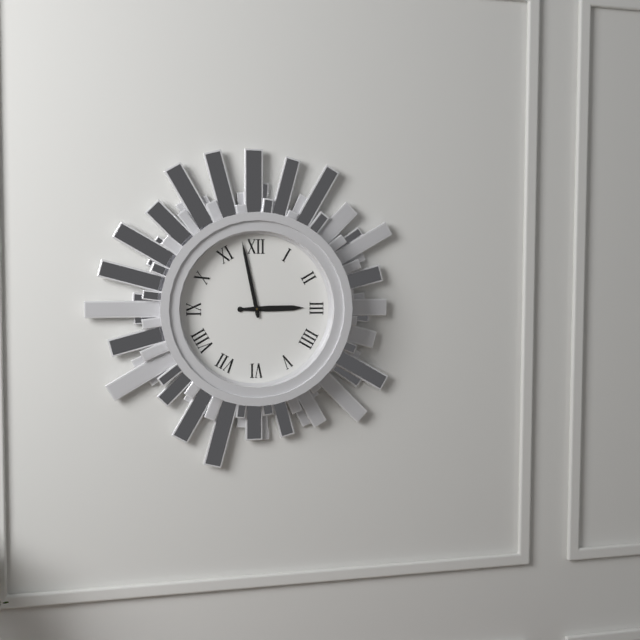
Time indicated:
**2:58**
